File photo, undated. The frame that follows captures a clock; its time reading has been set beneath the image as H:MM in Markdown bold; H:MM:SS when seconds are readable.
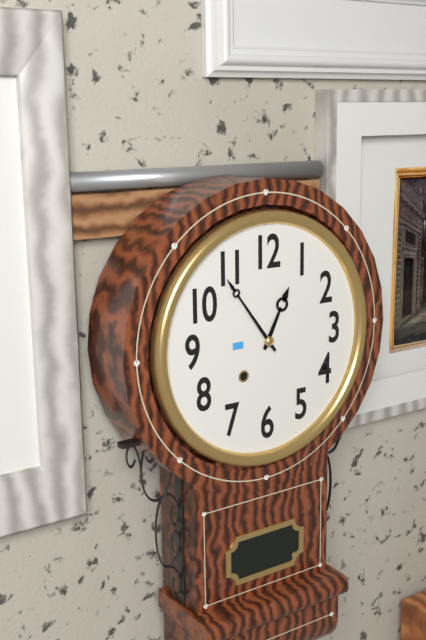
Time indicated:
**12:54**
